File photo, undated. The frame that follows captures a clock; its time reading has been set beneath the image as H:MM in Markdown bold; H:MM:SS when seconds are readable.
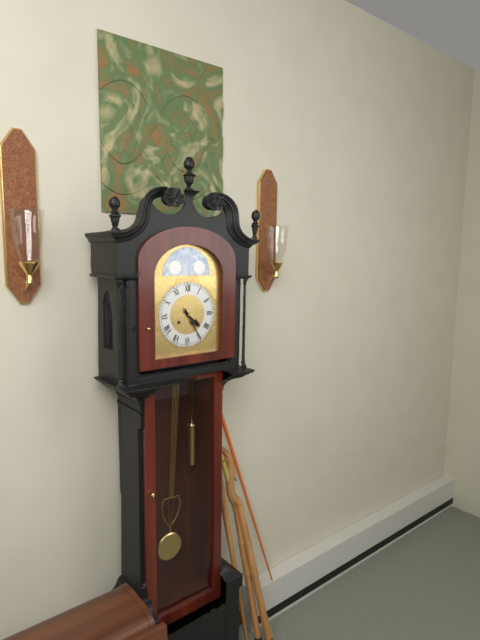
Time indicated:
**4:25**
